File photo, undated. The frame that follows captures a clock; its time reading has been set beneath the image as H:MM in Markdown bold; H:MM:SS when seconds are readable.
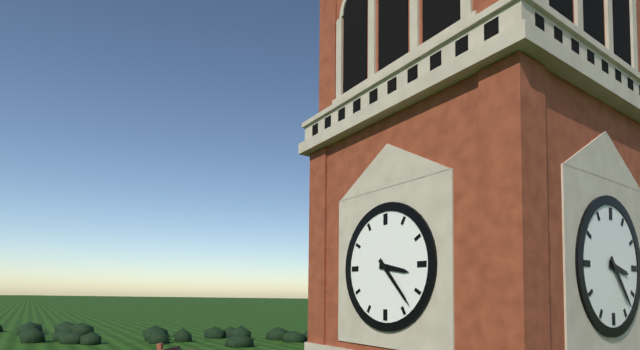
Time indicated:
**3:23**
